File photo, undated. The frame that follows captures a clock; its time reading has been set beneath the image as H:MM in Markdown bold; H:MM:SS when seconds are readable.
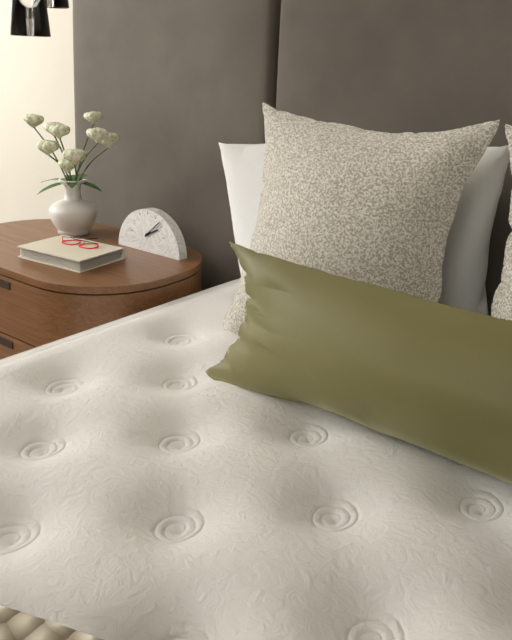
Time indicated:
**2:08**
